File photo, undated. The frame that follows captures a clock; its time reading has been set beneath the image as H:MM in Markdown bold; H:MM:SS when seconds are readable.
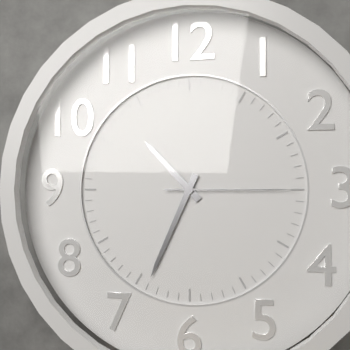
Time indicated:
**10:34:15**
